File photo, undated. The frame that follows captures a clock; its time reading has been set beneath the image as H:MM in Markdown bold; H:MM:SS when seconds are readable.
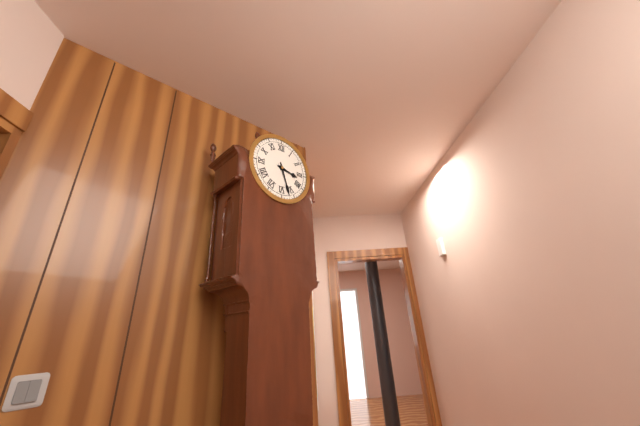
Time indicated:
**3:27**
